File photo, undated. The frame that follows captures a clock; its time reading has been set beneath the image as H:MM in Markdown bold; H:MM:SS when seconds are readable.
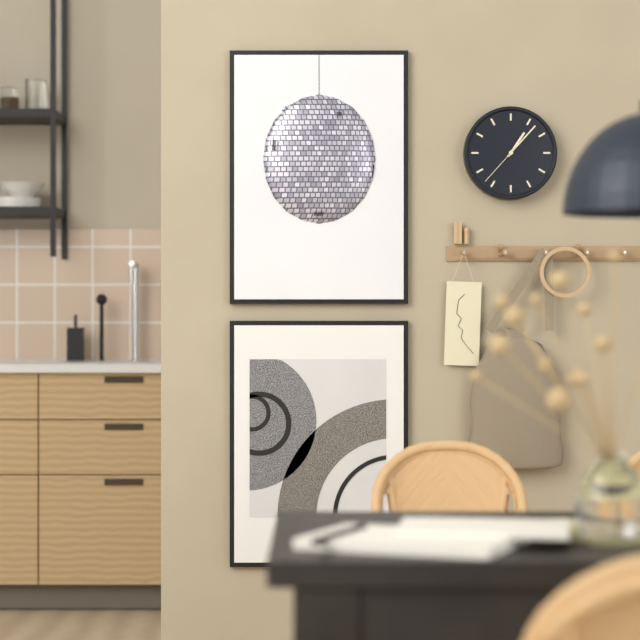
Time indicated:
**1:07**
